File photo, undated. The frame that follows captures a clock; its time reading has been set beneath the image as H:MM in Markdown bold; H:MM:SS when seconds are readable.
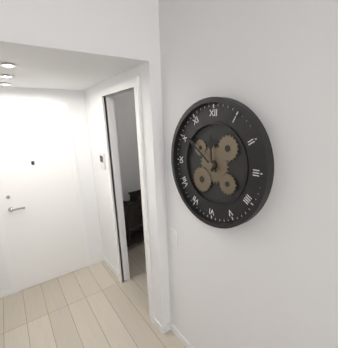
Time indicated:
**11:51**
